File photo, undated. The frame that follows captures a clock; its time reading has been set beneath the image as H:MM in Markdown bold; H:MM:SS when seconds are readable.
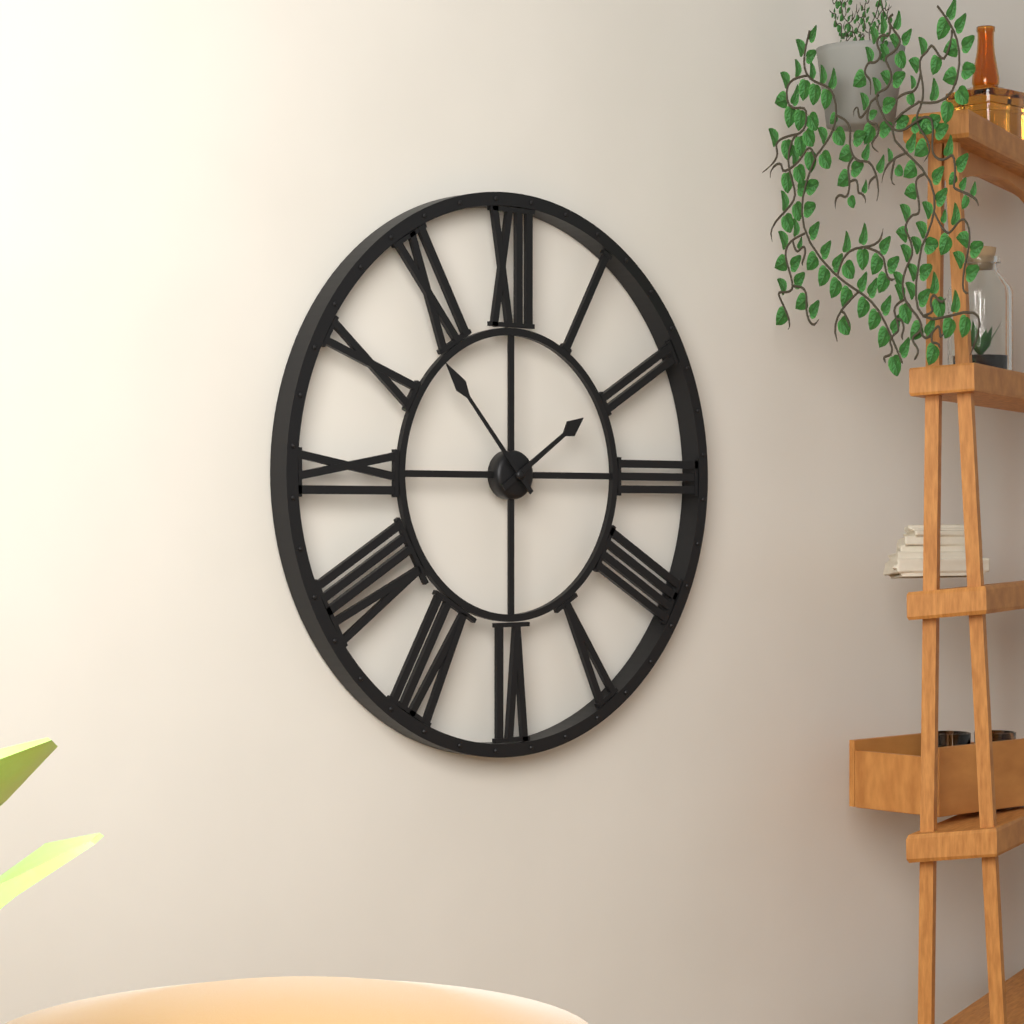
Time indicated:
**1:53**
